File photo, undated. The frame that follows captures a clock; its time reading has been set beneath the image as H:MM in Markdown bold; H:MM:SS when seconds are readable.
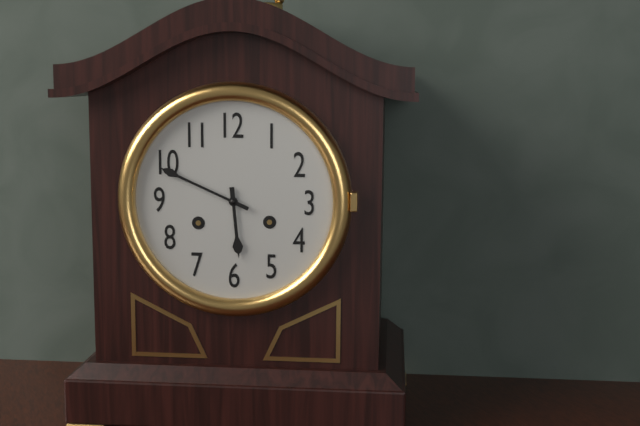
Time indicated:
**5:49**
